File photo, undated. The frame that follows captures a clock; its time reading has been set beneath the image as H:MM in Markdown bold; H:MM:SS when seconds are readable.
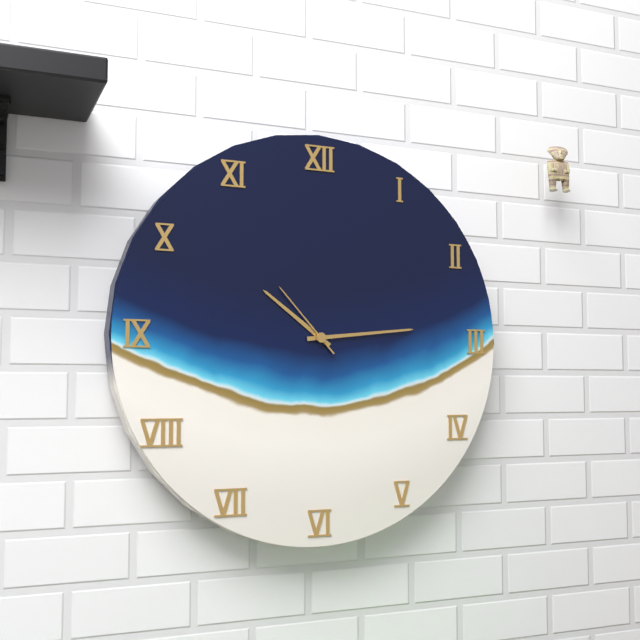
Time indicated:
**10:14:53**
